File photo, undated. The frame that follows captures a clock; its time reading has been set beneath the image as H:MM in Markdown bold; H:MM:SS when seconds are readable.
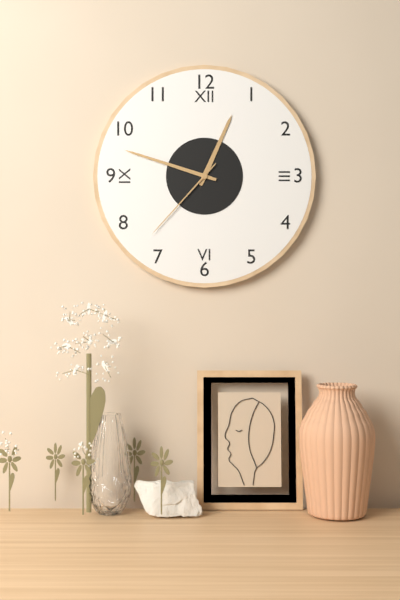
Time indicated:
**12:48:37**
